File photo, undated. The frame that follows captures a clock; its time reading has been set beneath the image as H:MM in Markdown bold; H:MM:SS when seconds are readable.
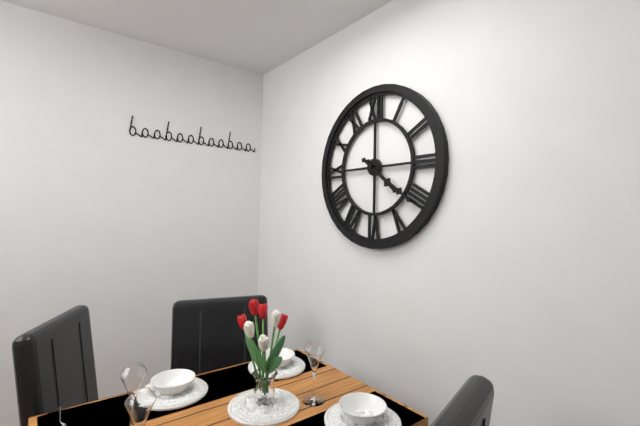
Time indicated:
**4:21**
